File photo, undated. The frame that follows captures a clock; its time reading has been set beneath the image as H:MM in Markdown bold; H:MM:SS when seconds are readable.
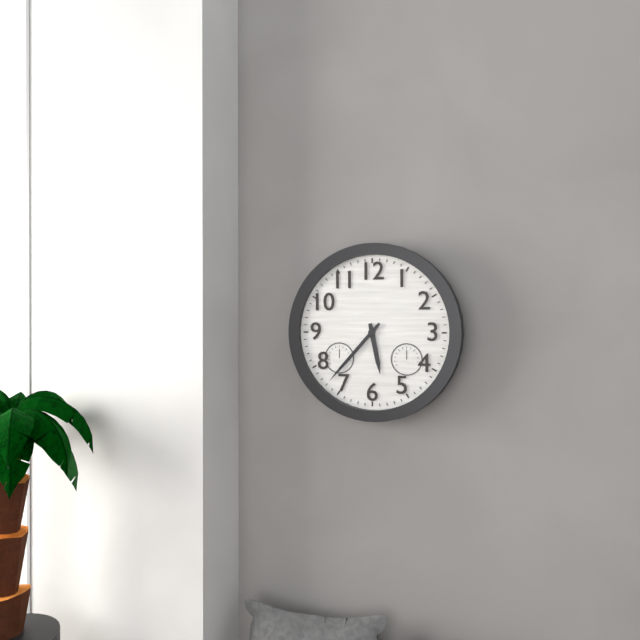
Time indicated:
**5:37**
